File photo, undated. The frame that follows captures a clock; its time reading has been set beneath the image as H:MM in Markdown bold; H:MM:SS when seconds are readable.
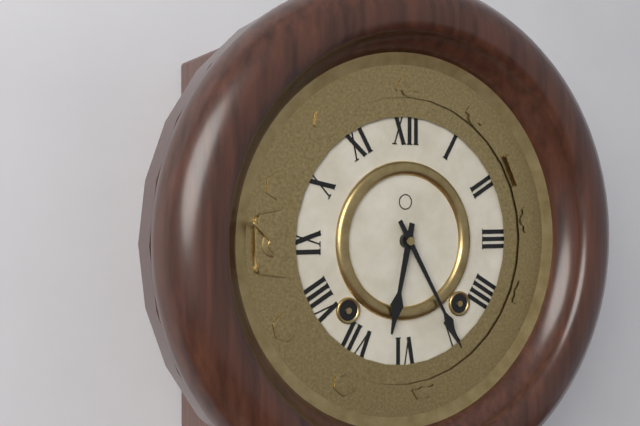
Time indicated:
**6:25**
